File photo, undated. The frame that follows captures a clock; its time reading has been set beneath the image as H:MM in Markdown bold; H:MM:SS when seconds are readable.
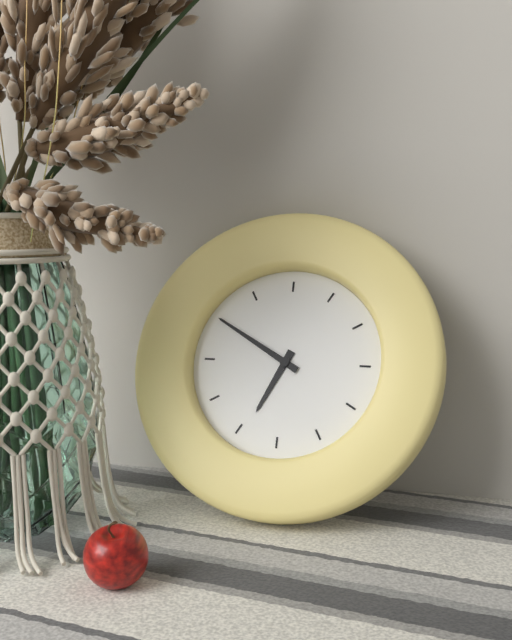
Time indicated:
**6:50**
